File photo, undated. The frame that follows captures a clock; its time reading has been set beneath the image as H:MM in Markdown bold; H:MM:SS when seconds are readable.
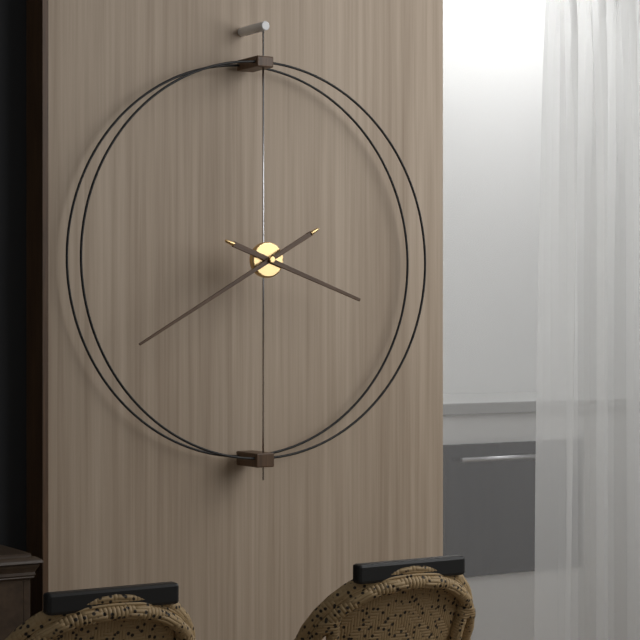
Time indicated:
**3:40**
